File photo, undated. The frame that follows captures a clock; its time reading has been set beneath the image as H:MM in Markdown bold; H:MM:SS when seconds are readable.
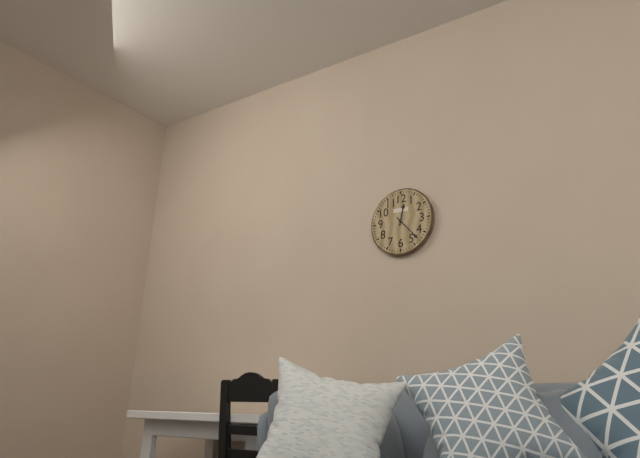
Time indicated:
**12:23**
